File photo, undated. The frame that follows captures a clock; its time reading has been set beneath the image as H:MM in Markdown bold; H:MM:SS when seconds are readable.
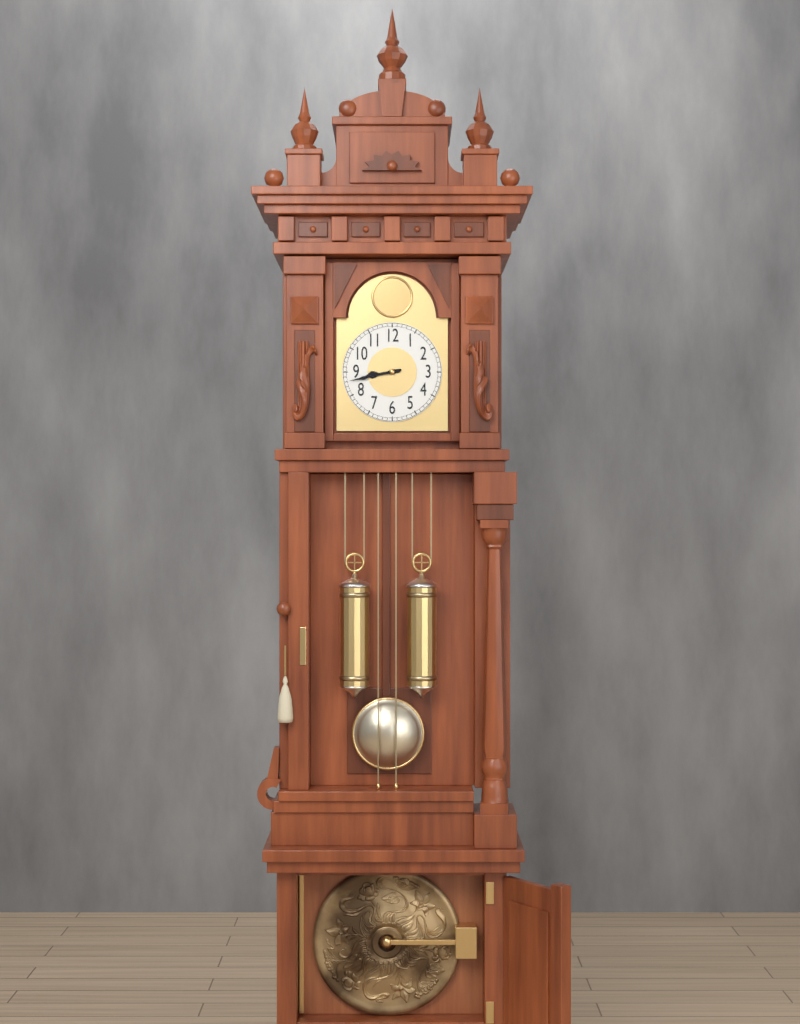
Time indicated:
**8:43**
